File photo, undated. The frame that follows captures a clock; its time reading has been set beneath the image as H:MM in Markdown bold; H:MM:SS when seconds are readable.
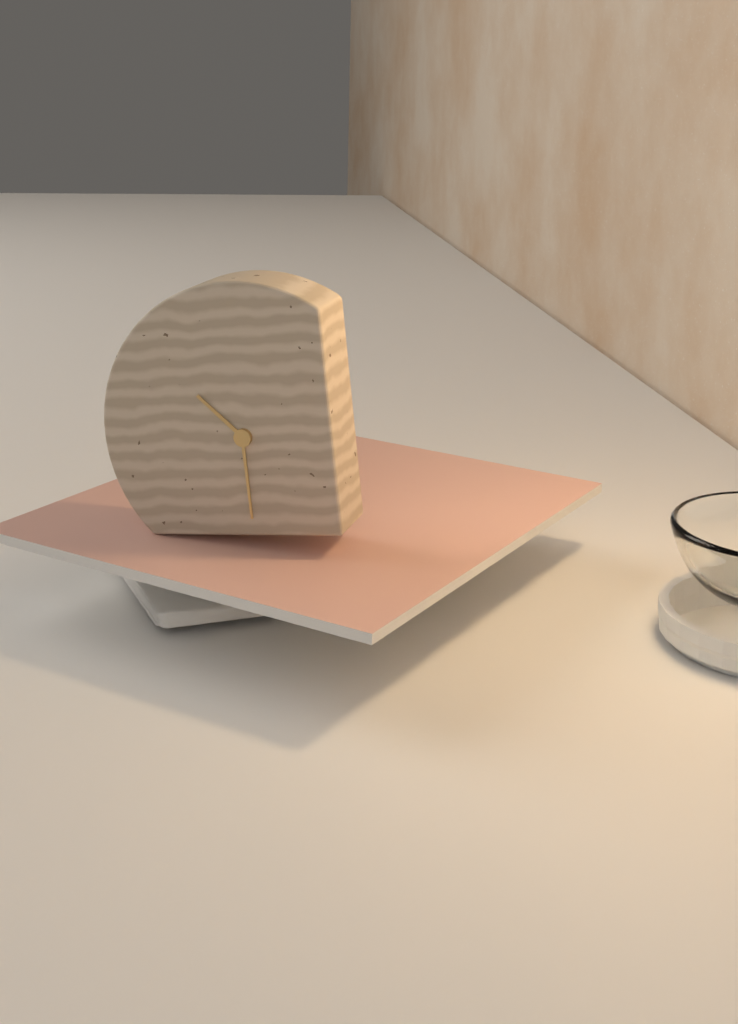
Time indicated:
**10:30**
